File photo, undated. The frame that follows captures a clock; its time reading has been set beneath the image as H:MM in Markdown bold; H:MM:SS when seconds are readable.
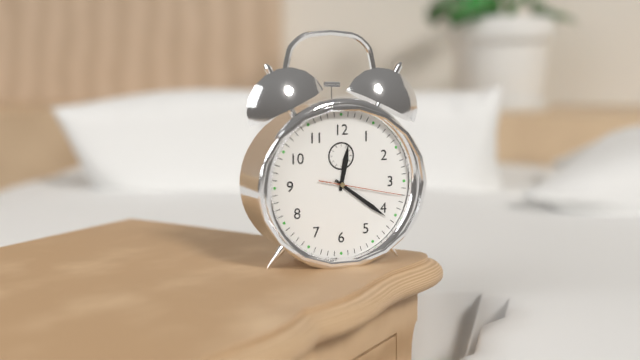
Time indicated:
**12:21:17**
